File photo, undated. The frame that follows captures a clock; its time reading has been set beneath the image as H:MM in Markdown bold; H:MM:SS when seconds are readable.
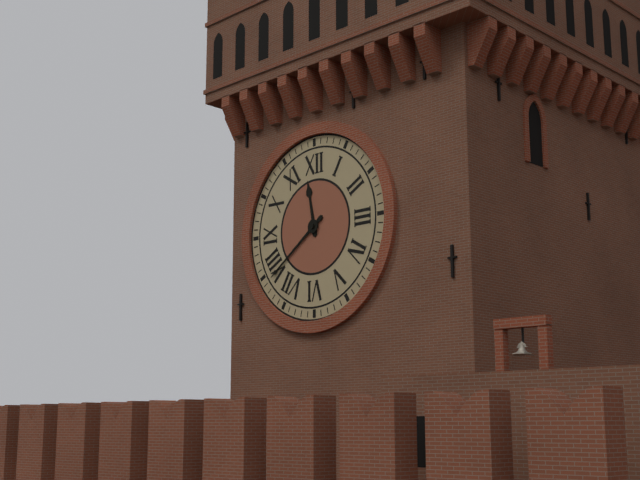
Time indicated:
**11:39**
